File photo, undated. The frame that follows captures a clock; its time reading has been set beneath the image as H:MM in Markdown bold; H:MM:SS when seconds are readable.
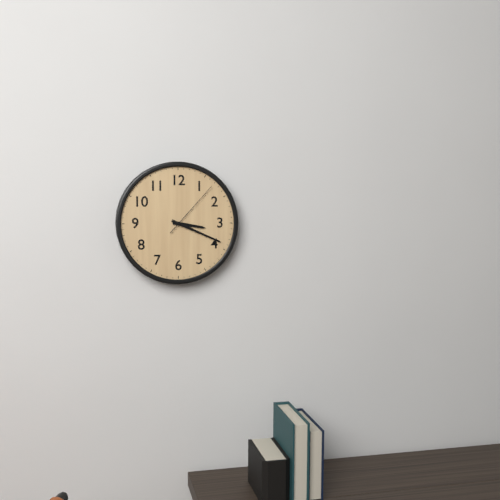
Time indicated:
**3:19:07**
